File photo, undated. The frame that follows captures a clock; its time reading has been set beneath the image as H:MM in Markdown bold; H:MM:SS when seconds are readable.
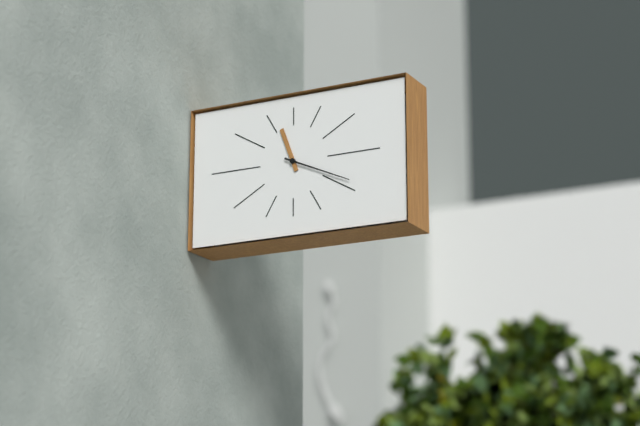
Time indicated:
**11:19**
